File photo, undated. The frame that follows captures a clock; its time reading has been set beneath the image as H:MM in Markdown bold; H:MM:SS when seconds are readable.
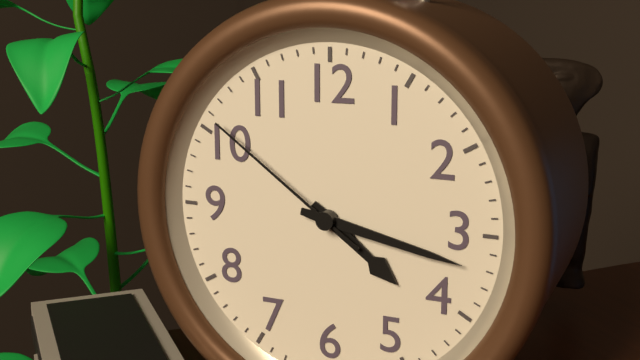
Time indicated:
**4:17:51**
